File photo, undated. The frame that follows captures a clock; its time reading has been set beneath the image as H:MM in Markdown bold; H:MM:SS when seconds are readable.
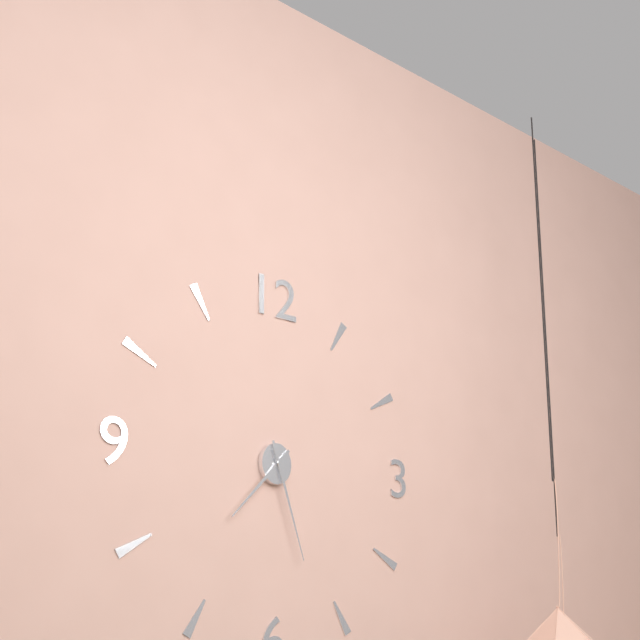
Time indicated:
**7:27**
